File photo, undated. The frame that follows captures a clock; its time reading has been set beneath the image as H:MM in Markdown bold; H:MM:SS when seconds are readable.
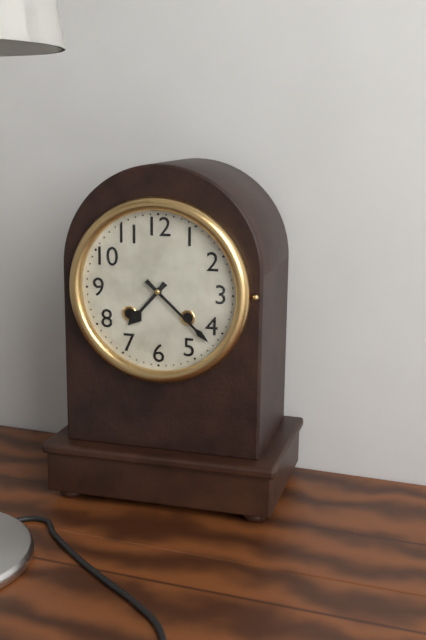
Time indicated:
**7:22**
